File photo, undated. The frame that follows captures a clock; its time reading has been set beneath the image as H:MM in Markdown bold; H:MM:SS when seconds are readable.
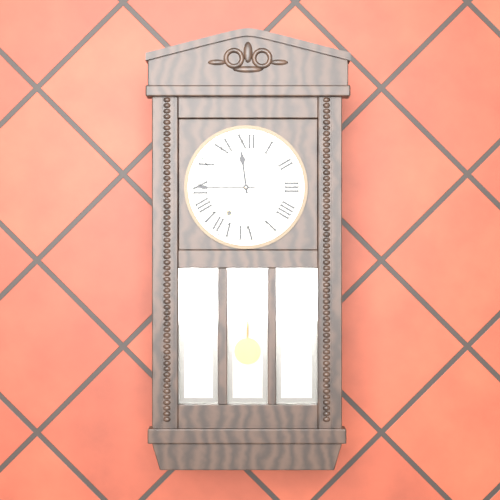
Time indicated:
**11:45**
